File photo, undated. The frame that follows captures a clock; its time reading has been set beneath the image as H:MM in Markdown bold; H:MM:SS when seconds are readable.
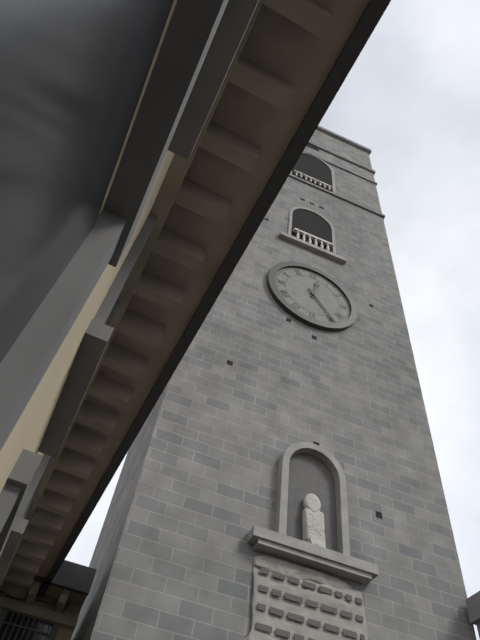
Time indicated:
**12:24**
